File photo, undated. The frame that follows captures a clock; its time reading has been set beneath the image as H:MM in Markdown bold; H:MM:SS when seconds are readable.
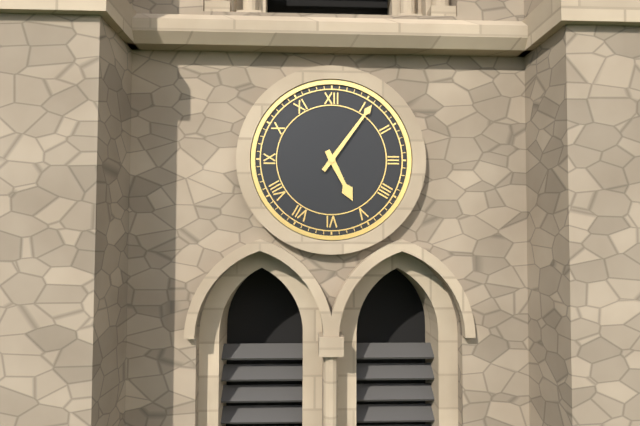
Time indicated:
**5:06**
